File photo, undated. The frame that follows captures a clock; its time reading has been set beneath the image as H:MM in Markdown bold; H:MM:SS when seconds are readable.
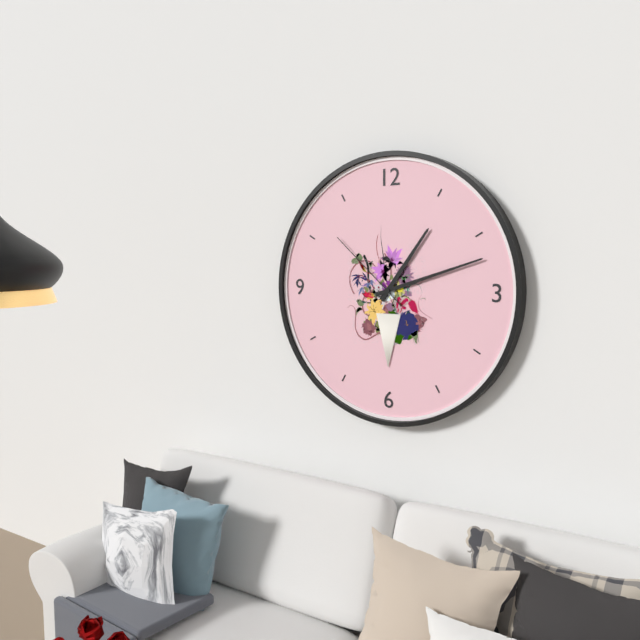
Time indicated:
**1:12:52**
